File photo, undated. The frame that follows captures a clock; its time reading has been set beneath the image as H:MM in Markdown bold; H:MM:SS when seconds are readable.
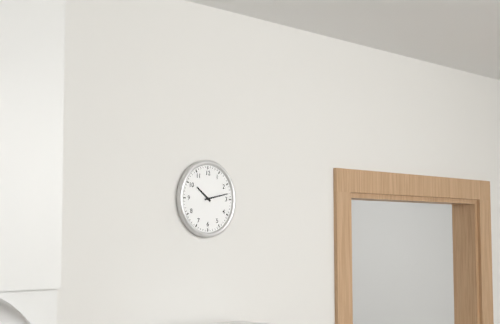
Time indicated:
**10:13**
